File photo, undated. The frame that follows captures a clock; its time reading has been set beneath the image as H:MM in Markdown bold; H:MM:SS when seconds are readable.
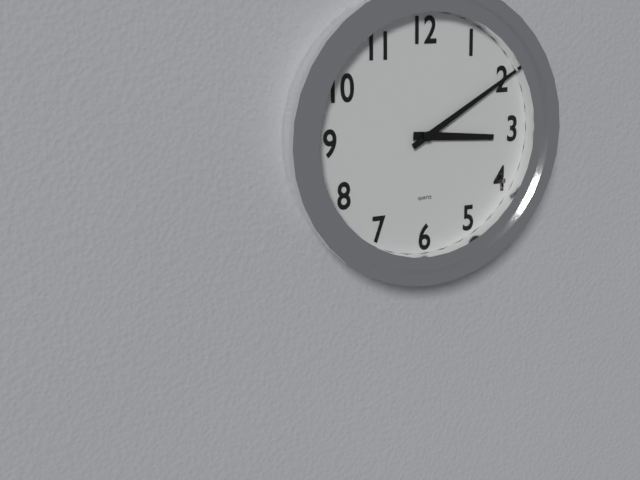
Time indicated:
**3:10**
